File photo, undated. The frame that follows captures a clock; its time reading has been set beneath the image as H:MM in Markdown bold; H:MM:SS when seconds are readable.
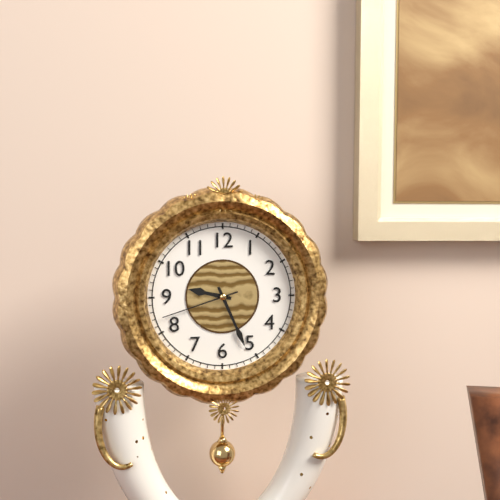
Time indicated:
**9:26:42**
